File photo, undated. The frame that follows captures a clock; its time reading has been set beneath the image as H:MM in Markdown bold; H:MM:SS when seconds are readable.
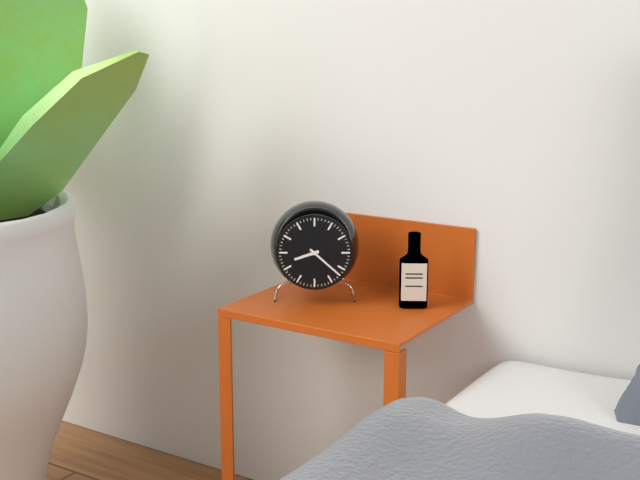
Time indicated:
**8:22**
